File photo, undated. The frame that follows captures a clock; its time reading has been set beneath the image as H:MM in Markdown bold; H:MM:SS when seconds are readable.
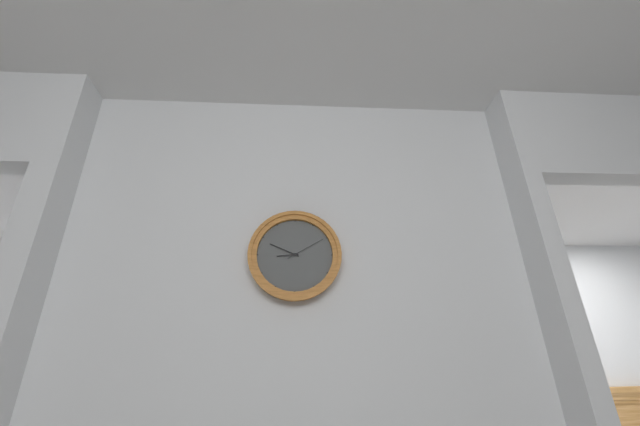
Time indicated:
**8:49**
